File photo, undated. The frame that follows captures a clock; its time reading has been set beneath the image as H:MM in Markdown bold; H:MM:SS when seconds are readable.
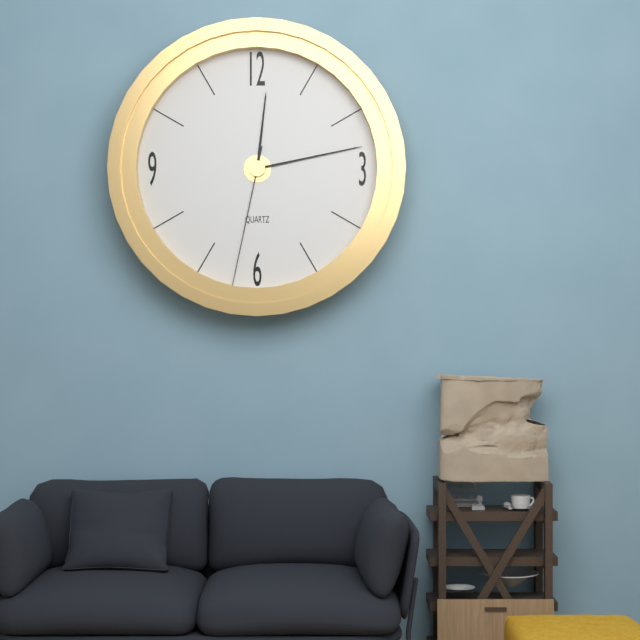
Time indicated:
**12:13:32**
